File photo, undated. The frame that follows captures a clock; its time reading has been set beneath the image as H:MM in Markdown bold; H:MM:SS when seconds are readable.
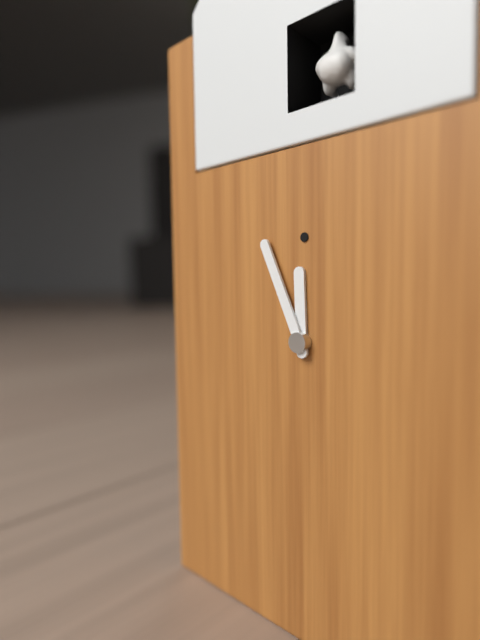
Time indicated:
**11:56**
